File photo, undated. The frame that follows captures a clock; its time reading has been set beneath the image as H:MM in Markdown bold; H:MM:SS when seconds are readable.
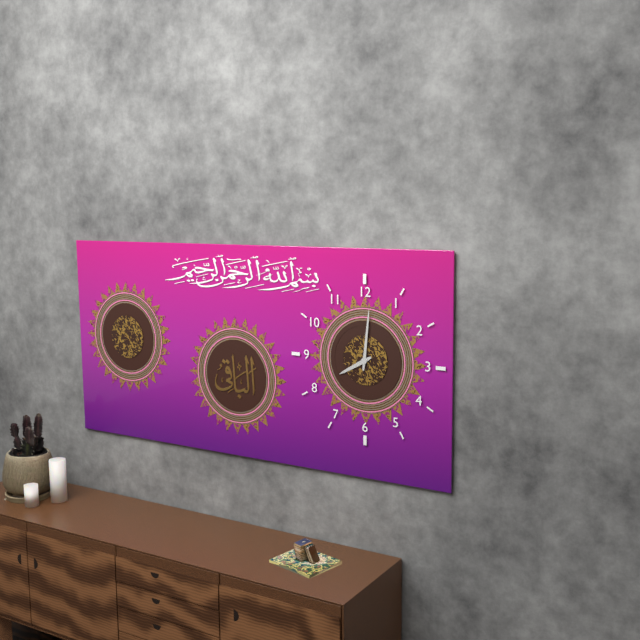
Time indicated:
**8:01**
